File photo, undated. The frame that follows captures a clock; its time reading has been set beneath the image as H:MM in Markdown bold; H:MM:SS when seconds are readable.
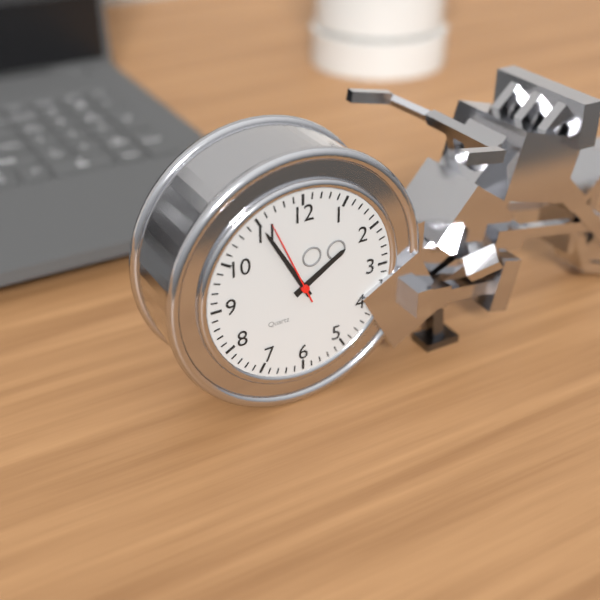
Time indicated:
**1:55:56**
